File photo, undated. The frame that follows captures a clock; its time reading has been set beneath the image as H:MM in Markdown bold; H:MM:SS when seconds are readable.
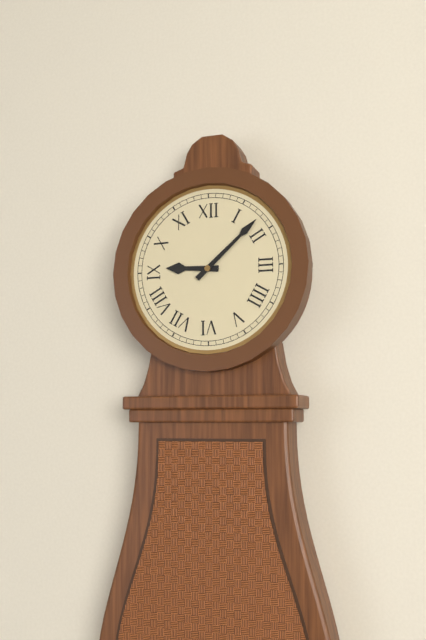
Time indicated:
**9:08**
